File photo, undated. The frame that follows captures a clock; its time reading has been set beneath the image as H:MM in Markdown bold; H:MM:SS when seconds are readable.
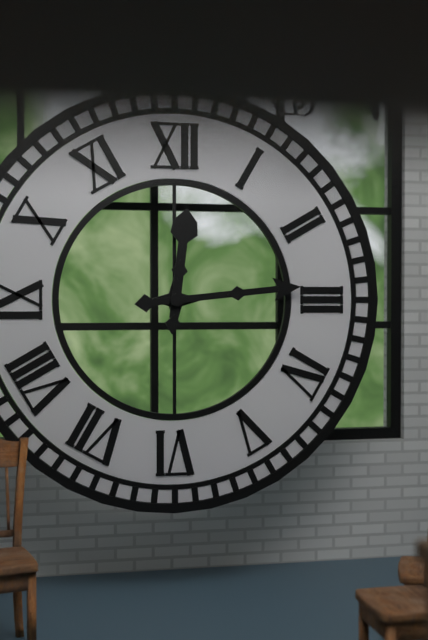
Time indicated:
**12:14**
